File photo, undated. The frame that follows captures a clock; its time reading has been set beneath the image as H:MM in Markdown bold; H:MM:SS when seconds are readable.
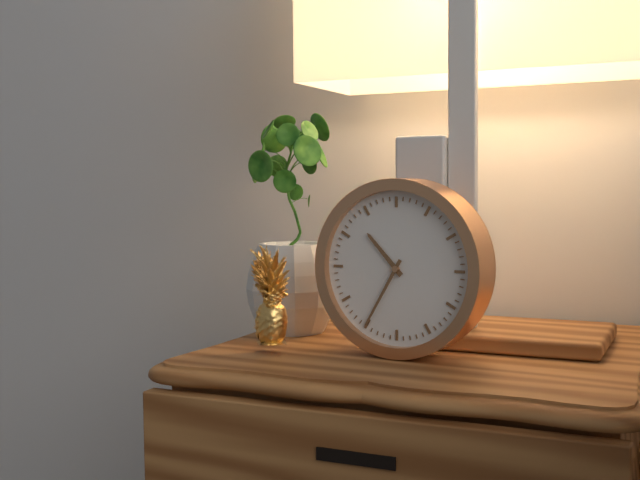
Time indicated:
**10:35**
